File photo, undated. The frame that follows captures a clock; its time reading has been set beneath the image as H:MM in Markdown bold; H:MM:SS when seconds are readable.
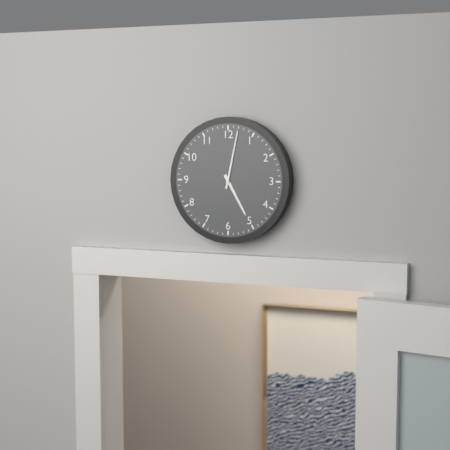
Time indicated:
**5:02**
